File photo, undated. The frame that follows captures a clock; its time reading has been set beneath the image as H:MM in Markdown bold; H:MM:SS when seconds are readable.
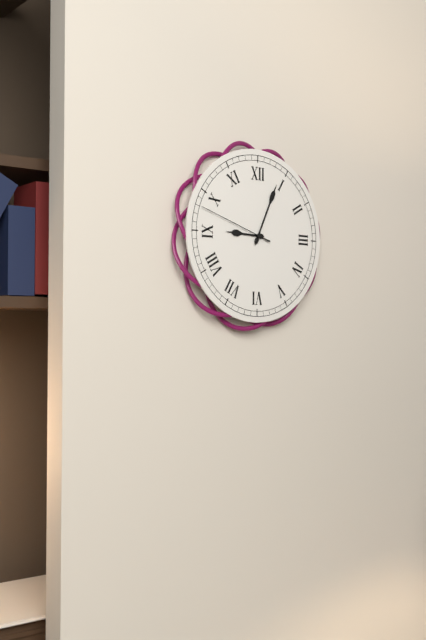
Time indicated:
**9:04:48**
